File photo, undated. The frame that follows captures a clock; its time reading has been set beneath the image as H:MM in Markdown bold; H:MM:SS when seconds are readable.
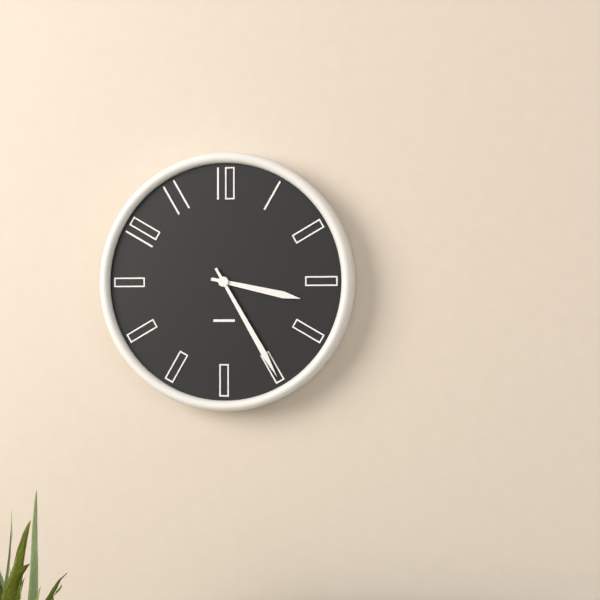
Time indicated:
**3:25**
